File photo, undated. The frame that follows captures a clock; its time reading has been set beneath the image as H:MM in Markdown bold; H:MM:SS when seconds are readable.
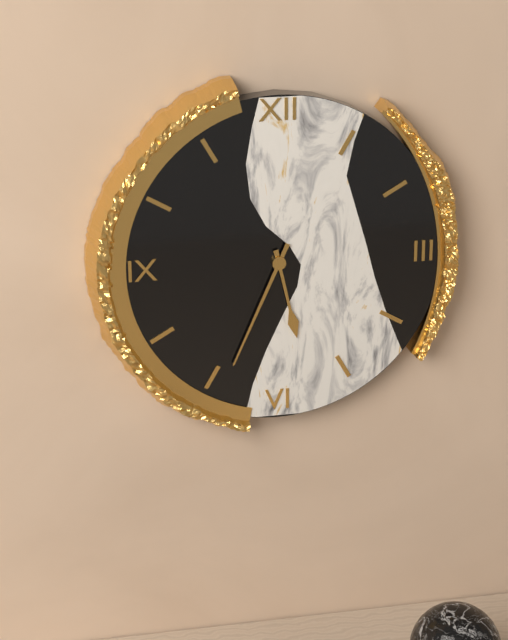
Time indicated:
**5:34**
